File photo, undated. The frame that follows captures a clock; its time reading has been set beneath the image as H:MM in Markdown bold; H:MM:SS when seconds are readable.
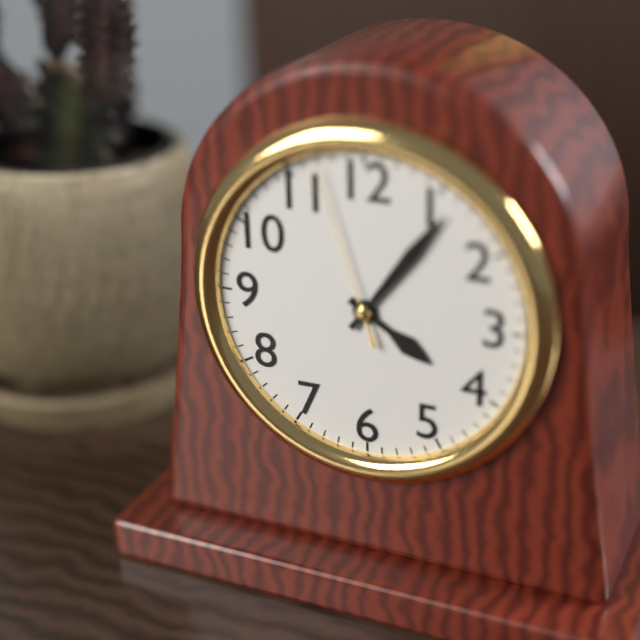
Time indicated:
**4:06:57**
